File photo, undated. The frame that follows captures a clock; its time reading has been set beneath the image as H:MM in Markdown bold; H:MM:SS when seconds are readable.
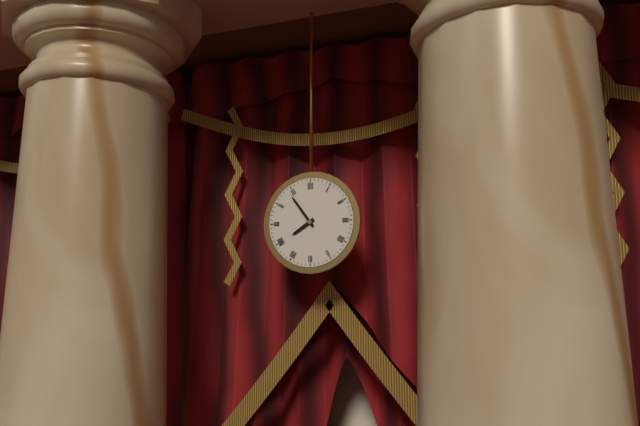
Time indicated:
**7:54**
